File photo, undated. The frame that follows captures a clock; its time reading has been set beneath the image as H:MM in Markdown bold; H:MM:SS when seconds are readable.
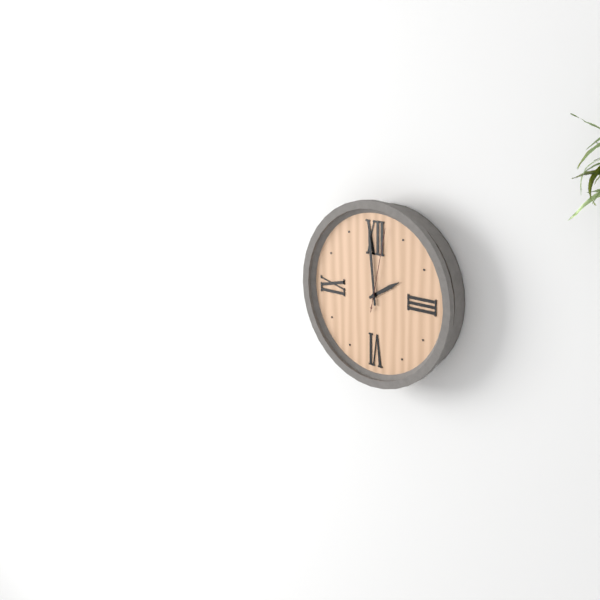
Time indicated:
**1:59:02**
